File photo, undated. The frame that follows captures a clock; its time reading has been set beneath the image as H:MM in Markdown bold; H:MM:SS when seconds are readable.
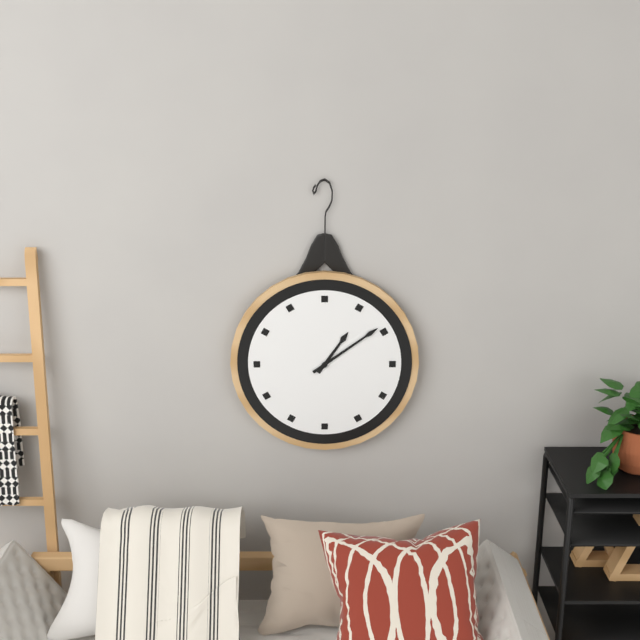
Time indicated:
**1:09**
